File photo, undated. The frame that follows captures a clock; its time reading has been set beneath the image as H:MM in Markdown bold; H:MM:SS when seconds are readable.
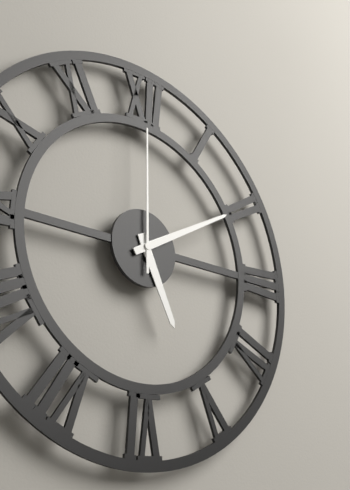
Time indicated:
**5:10:00**
